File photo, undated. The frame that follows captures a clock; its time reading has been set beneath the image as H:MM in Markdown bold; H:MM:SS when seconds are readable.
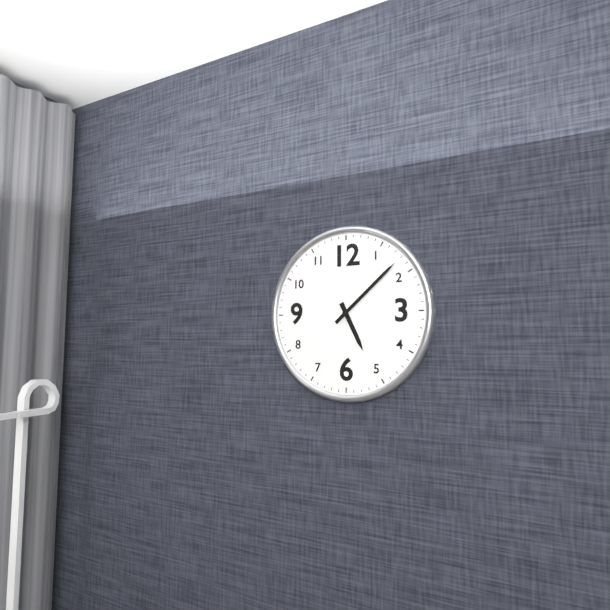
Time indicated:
**5:08**
